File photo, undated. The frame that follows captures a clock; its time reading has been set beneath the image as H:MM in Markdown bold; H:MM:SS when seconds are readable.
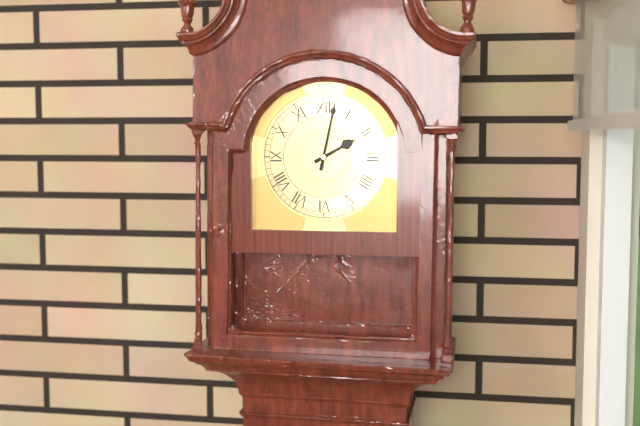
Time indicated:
**2:02**
